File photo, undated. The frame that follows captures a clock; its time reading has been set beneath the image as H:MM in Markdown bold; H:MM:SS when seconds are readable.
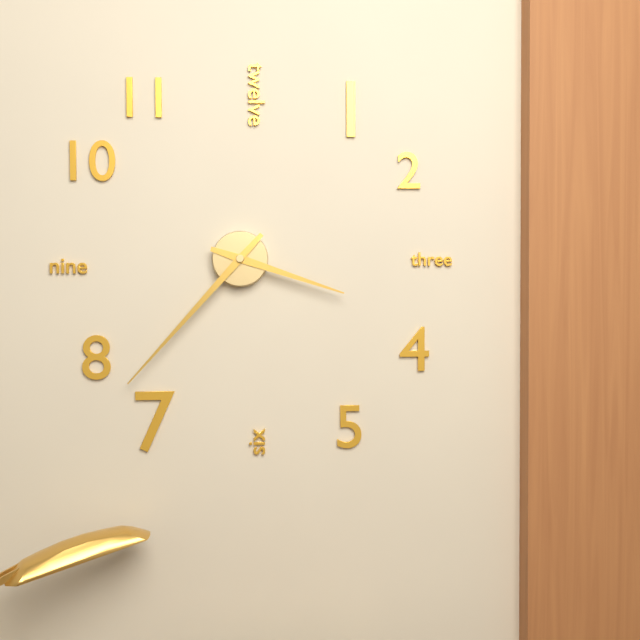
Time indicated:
**3:37**
